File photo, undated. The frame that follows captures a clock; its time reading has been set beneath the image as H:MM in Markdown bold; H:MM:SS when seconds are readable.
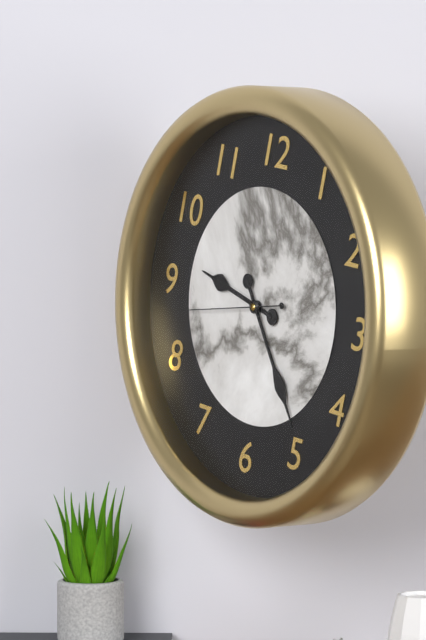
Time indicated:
**9:24:43**
